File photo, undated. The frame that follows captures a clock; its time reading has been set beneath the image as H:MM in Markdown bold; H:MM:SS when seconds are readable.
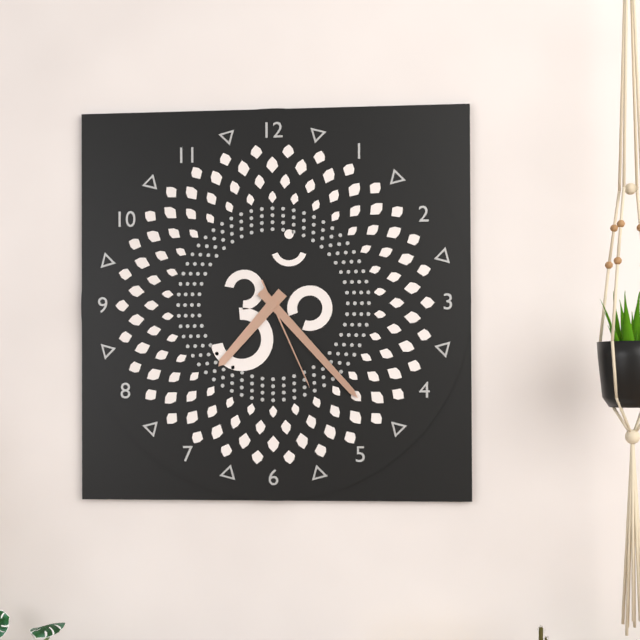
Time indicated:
**7:23:26**
